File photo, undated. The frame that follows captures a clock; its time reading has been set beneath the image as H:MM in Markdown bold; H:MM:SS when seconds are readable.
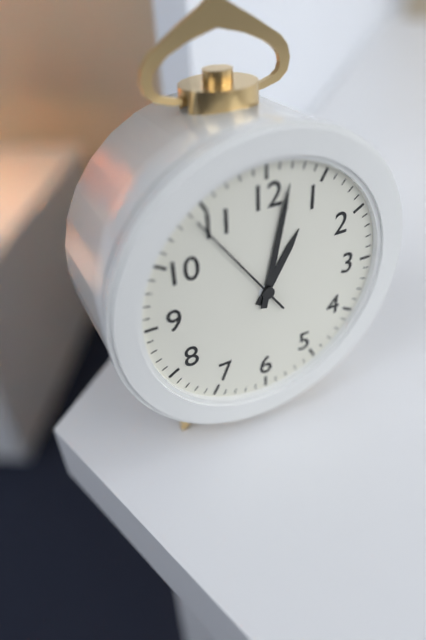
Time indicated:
**1:02:54**
